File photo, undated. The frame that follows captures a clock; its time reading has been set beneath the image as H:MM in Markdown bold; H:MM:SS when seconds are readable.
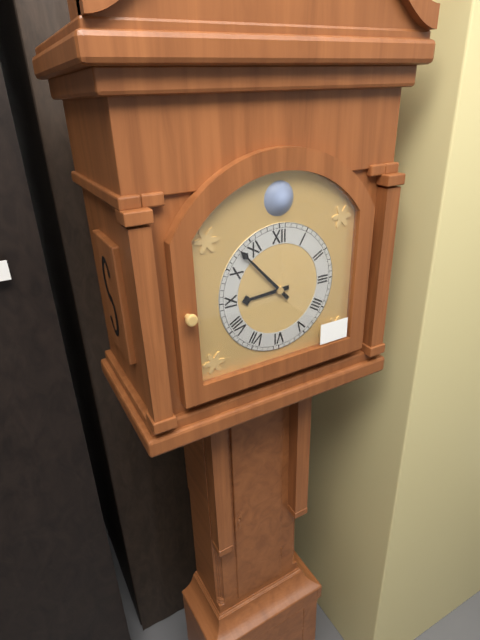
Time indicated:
**8:53**
